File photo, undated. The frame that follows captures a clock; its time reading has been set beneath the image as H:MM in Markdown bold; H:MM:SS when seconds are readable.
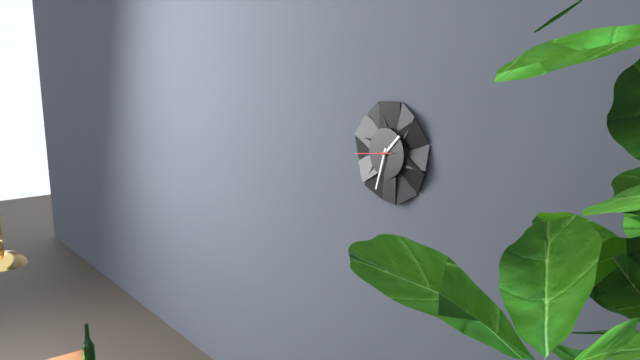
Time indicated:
**1:33**
